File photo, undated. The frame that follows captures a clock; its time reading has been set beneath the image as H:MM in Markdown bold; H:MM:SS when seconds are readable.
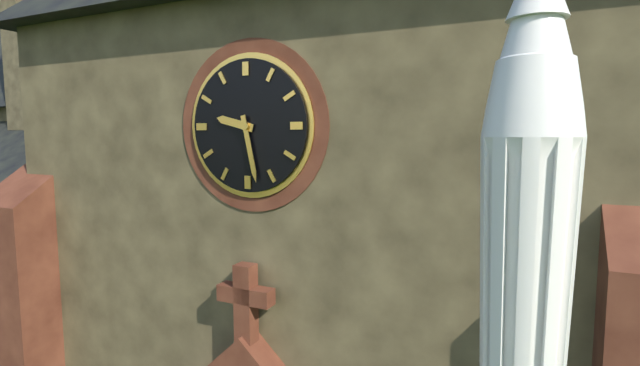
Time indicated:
**9:28**
